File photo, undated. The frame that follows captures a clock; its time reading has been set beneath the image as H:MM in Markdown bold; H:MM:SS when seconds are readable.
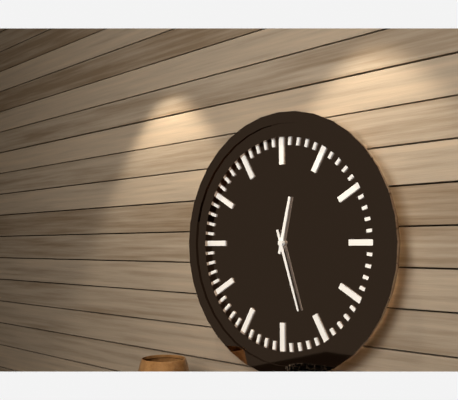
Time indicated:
**12:27**
